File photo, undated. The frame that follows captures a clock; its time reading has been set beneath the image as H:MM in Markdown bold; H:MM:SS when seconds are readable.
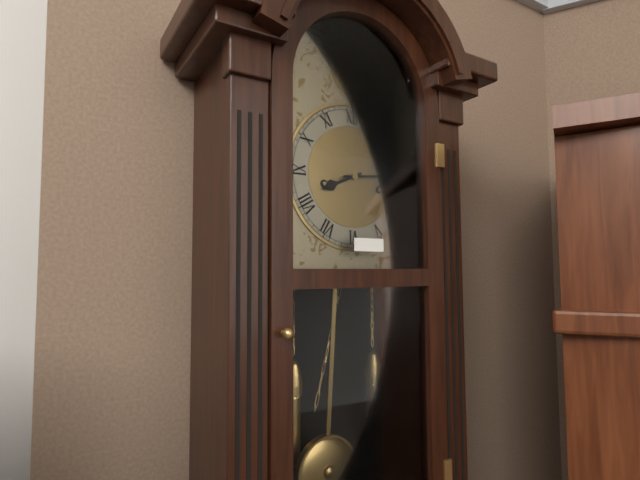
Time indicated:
**8:14**
